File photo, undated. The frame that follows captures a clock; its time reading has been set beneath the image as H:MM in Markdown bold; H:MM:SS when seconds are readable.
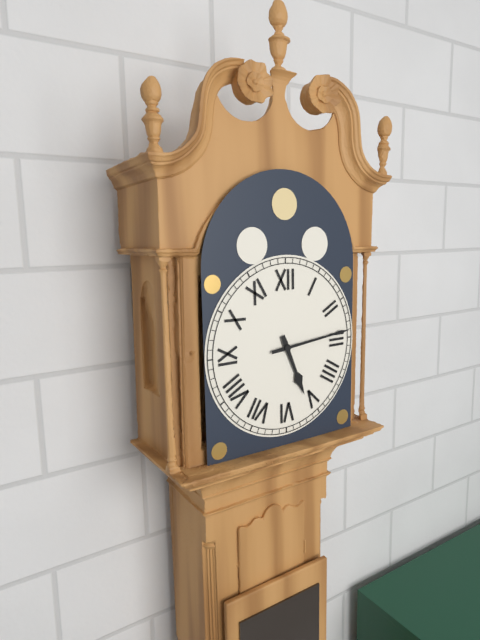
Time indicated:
**5:14**
